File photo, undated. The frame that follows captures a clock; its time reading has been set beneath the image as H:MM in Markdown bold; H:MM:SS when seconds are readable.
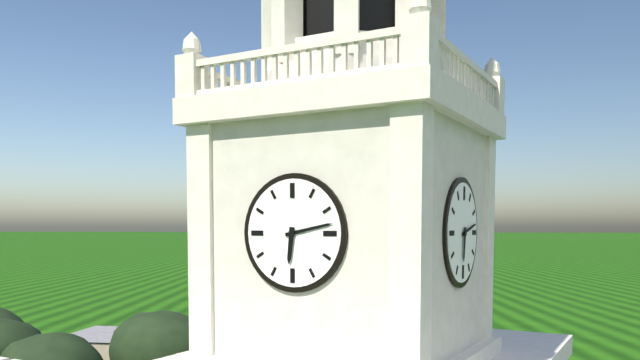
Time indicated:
**6:13**
